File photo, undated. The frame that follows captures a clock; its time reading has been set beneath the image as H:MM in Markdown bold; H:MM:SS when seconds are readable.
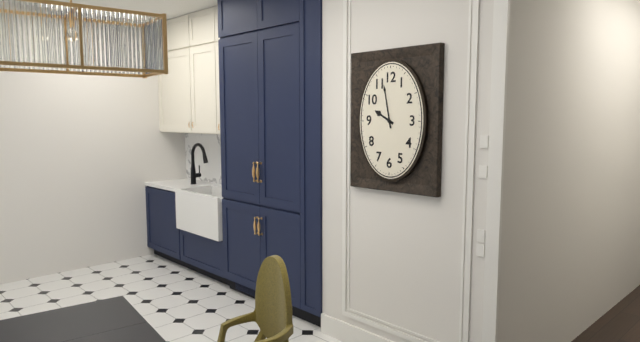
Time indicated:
**9:58**
